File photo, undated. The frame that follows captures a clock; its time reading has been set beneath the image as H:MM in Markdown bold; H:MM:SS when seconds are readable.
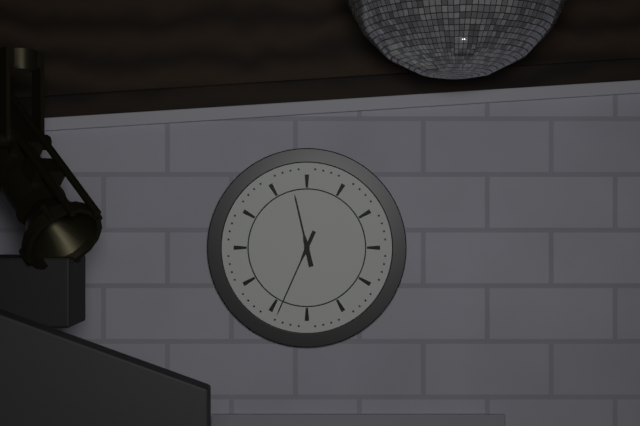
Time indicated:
**11:34**
